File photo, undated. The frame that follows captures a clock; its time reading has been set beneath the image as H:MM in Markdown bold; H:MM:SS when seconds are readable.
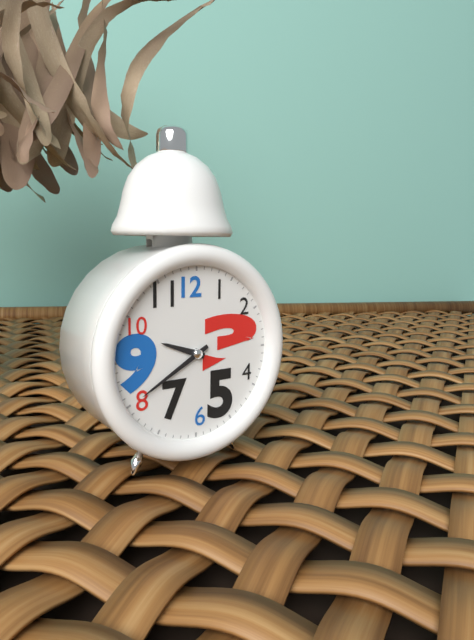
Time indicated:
**9:40**
